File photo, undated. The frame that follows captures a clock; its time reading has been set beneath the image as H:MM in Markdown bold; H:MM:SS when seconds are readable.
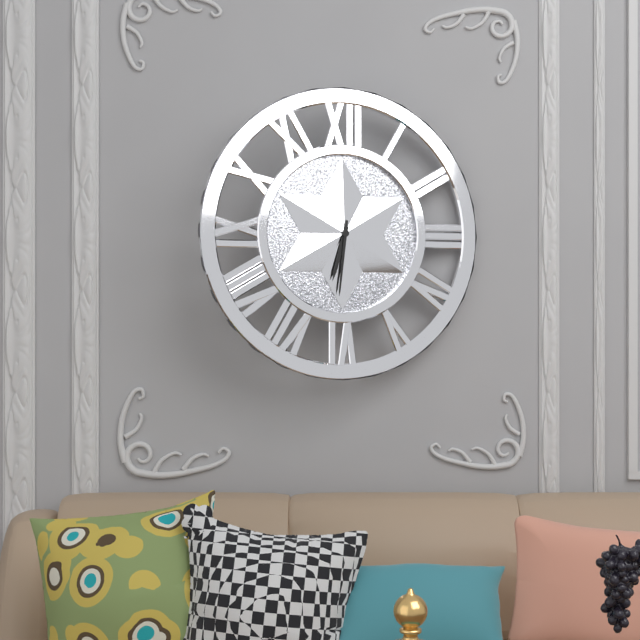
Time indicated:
**6:31**
